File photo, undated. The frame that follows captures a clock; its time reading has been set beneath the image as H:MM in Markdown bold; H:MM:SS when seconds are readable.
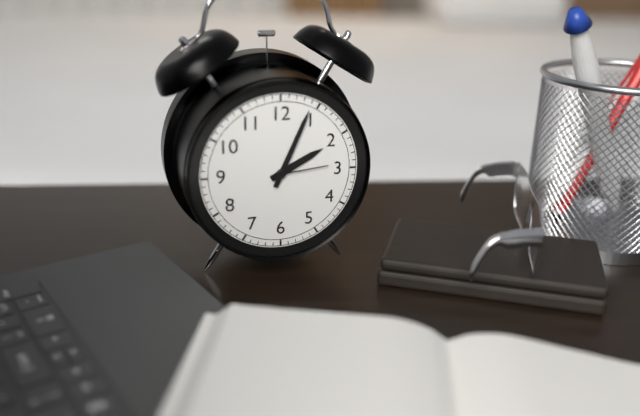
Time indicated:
**2:04:14**
